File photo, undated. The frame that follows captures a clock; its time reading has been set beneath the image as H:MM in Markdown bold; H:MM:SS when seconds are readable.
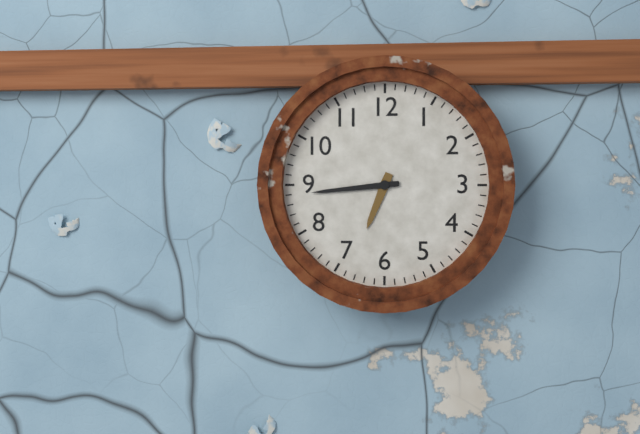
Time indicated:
**6:44**
